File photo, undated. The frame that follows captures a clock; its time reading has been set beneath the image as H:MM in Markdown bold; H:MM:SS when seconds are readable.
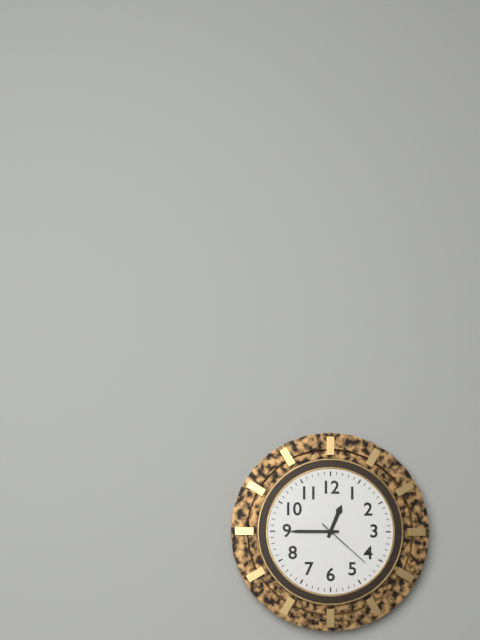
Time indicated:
**12:45:22**
